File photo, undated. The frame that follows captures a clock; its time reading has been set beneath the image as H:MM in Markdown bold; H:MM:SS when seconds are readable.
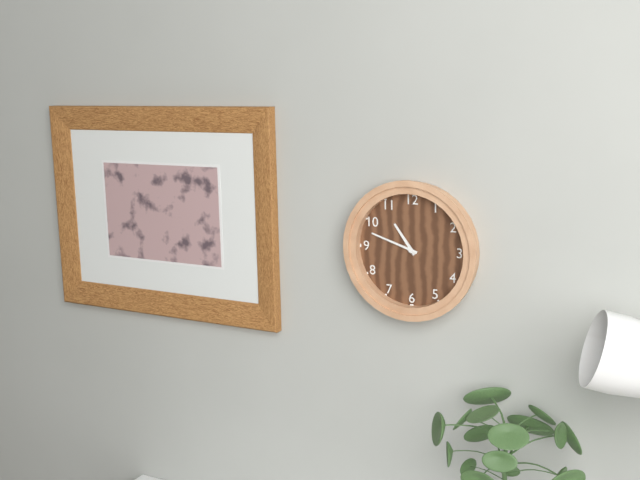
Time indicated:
**10:48**
